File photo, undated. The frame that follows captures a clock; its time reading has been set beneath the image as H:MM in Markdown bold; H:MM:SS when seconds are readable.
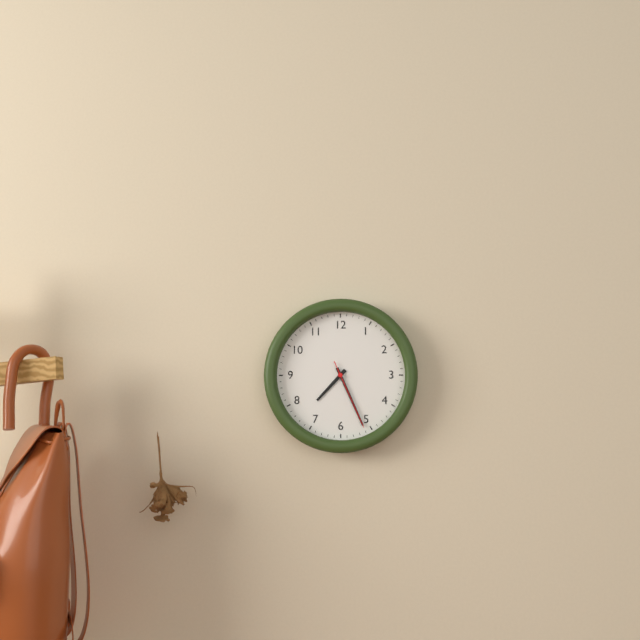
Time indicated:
**7:26:26**
